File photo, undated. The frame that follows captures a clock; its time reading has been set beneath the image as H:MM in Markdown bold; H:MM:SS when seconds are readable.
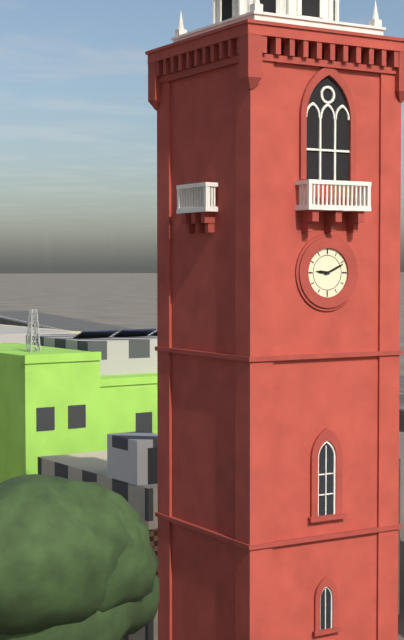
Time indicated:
**9:11**
